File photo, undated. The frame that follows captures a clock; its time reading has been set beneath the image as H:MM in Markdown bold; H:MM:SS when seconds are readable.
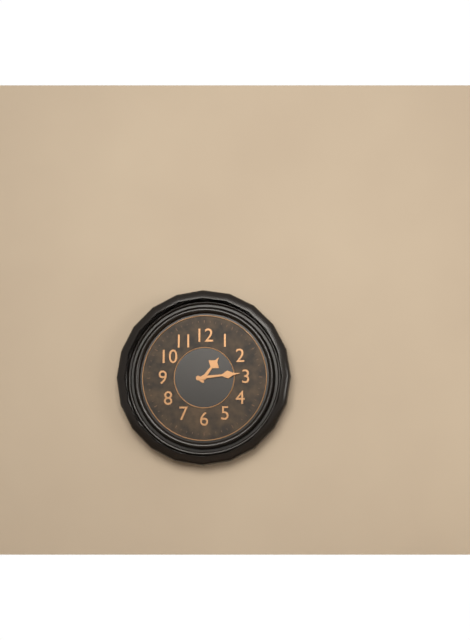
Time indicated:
**1:14**
